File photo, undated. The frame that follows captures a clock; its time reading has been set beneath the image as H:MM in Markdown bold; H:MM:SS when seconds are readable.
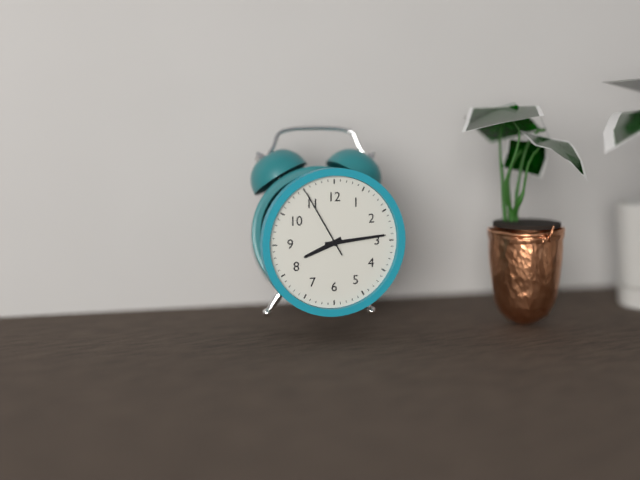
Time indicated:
**8:14:55**
